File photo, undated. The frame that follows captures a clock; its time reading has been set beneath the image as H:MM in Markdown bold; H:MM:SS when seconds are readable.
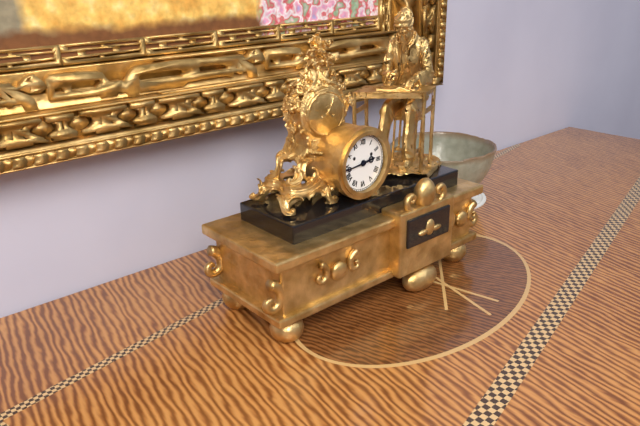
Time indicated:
**2:44**
